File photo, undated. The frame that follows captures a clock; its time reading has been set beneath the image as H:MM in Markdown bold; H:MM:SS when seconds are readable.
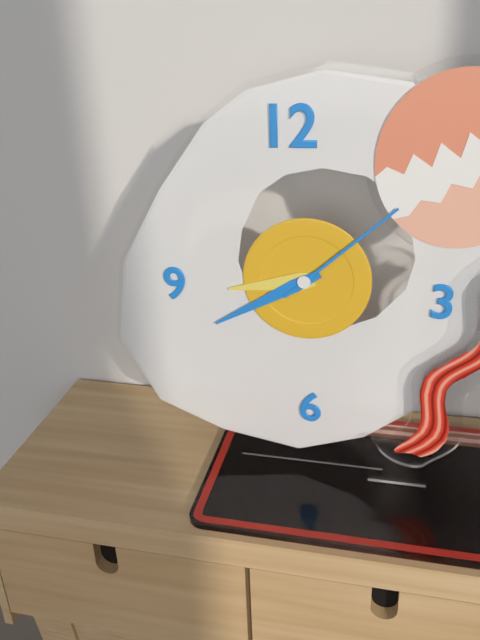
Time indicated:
**8:40:08**
